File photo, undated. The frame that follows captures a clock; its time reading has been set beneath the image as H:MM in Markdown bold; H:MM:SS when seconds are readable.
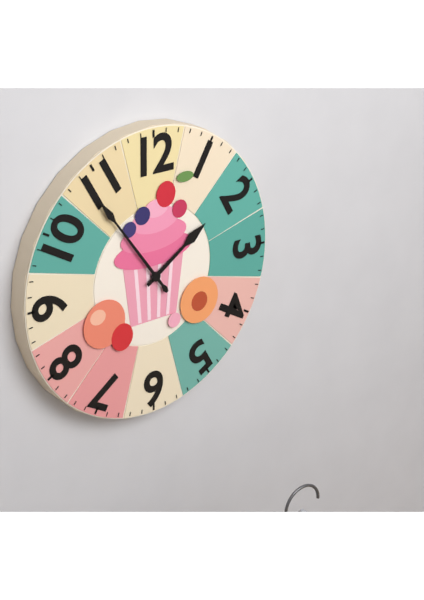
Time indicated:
**1:54**
